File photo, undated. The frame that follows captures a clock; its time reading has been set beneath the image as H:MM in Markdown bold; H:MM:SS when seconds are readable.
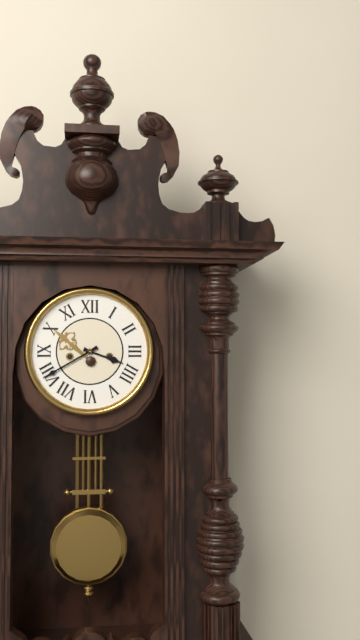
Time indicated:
**3:40**
